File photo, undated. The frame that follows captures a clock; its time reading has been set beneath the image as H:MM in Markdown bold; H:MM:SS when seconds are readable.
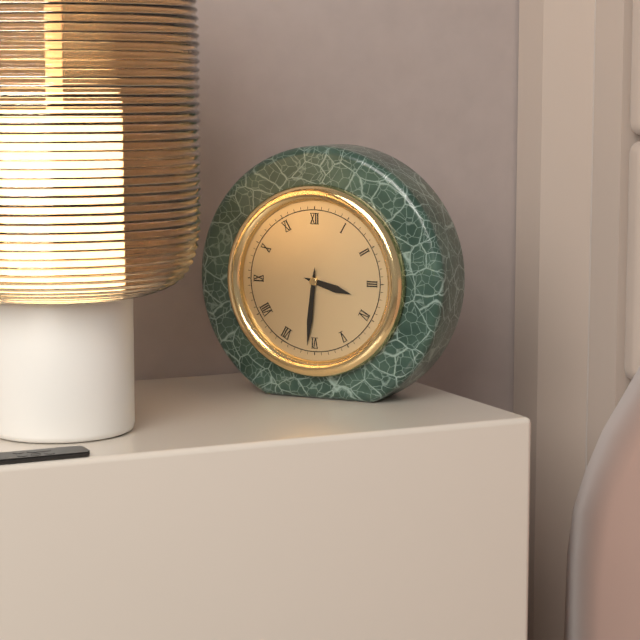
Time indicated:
**3:31**
